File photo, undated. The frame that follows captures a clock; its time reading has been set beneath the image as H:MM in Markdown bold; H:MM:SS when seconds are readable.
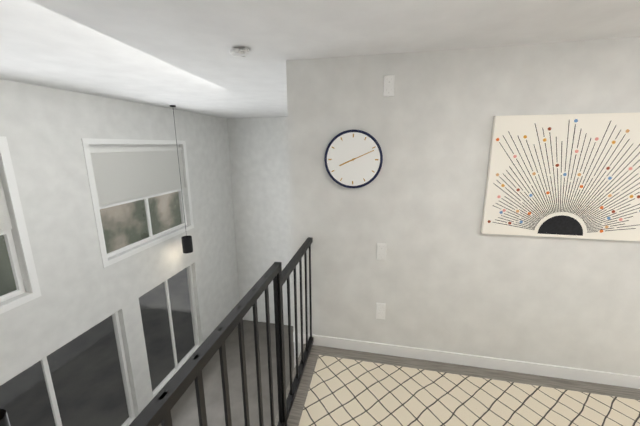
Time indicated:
**8:11**
